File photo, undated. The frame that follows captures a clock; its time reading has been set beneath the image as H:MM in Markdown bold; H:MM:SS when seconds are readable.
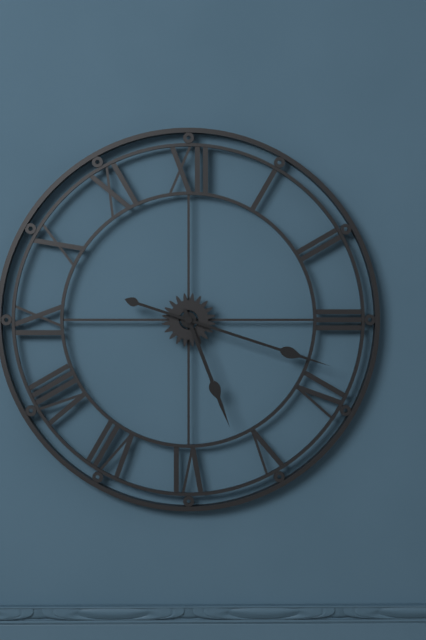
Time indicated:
**5:18**
